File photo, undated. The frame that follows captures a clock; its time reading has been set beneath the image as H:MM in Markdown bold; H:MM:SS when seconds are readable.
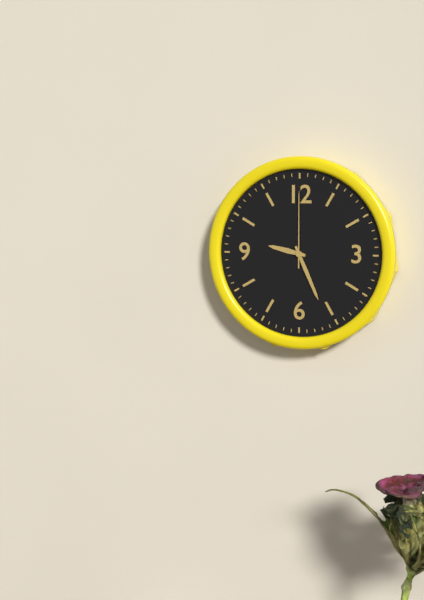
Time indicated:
**9:26:00**
